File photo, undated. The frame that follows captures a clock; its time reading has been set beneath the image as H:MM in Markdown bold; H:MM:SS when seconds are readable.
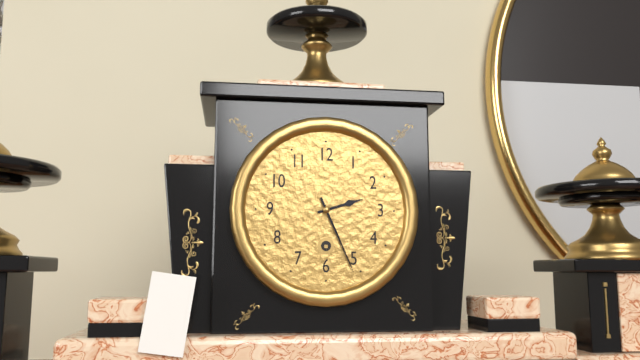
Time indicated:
**2:26**
